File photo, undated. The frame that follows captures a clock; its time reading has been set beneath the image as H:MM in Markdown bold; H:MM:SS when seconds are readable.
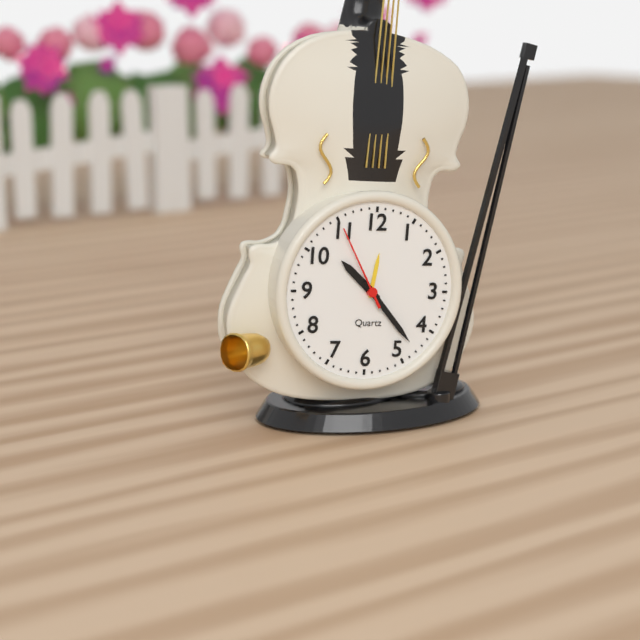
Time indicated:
**10:23:55**
